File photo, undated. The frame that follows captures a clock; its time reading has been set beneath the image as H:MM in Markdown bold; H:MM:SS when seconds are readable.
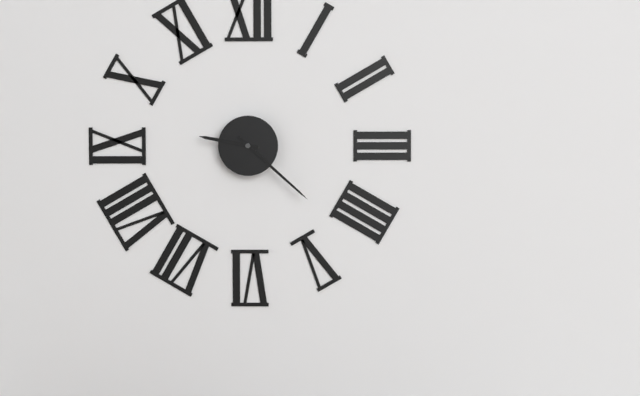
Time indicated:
**9:22**
